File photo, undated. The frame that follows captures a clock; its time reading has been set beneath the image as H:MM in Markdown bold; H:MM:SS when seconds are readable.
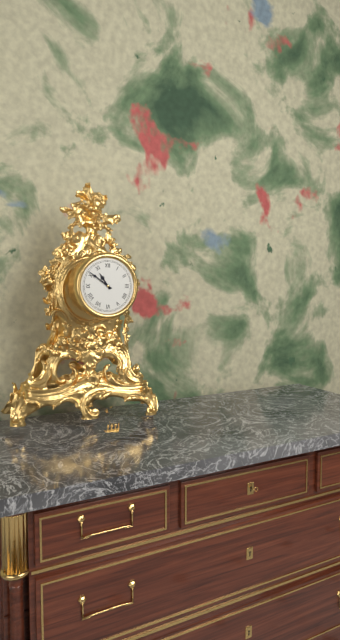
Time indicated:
**10:51**
